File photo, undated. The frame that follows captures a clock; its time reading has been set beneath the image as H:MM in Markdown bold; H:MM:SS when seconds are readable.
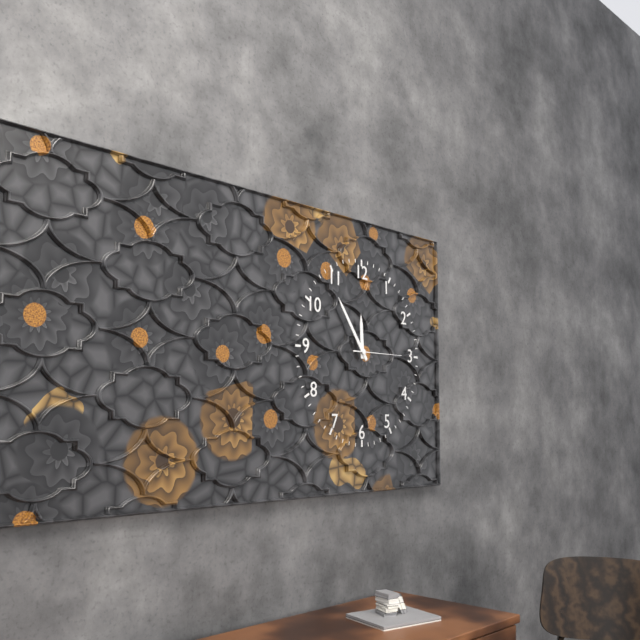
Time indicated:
**11:54**
